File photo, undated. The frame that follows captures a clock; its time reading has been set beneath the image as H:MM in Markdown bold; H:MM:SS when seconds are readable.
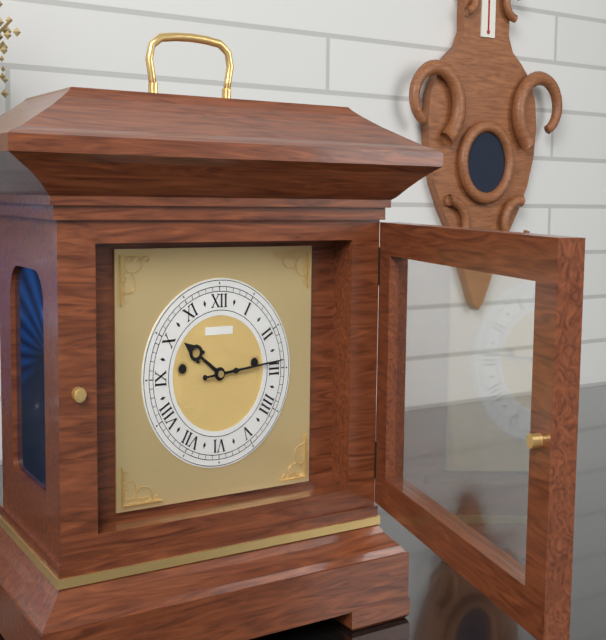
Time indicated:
**10:14**
